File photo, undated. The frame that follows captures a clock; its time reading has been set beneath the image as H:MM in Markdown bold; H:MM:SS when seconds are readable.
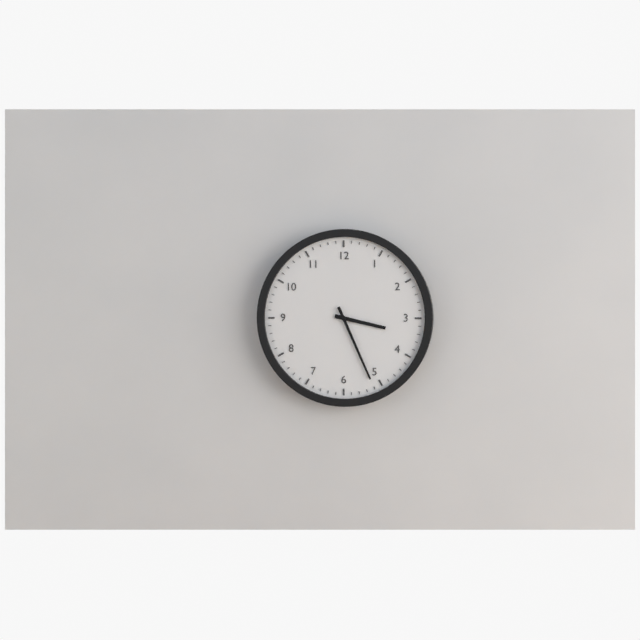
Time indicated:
**3:26**
